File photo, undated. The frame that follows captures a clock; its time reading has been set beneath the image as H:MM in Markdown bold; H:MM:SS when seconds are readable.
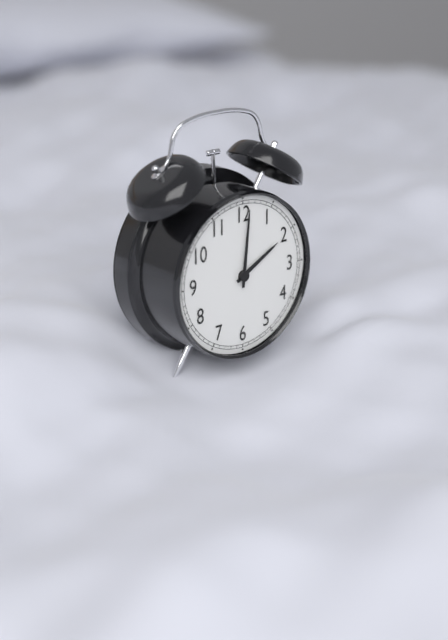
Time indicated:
**2:01**
